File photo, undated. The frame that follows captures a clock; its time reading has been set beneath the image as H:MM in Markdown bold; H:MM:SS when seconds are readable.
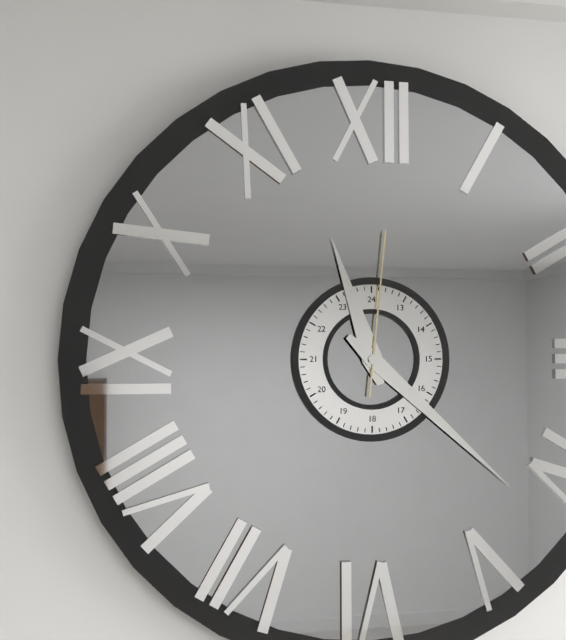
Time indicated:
**11:22:01**
